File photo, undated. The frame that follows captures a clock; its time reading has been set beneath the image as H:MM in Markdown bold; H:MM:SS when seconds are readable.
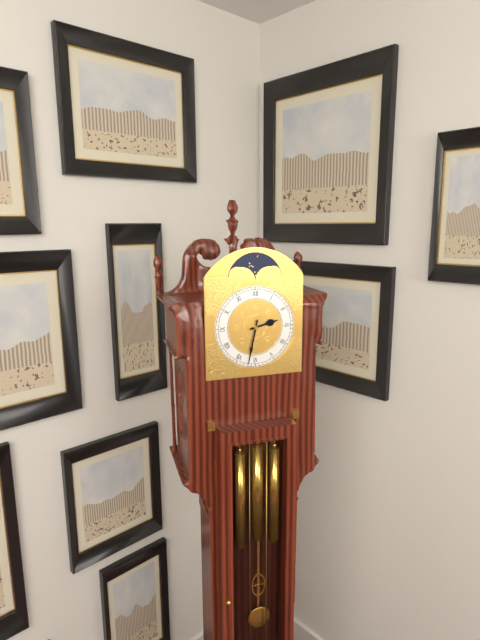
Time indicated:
**2:32**
